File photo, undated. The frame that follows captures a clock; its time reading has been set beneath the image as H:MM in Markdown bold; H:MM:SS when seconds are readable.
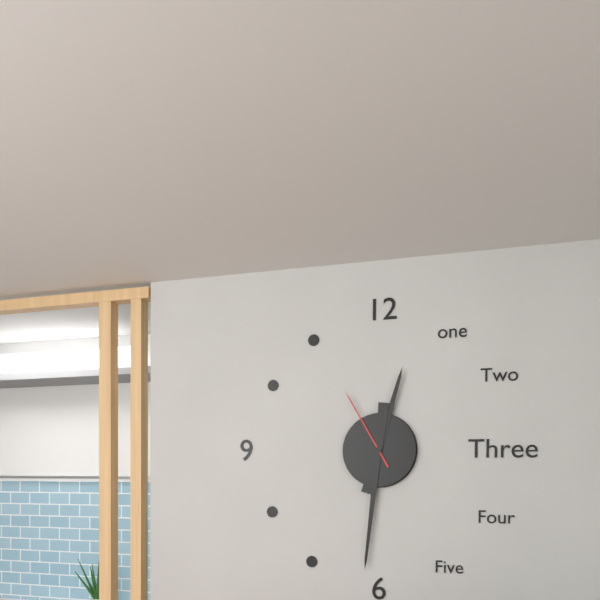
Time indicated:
**12:31:55**
